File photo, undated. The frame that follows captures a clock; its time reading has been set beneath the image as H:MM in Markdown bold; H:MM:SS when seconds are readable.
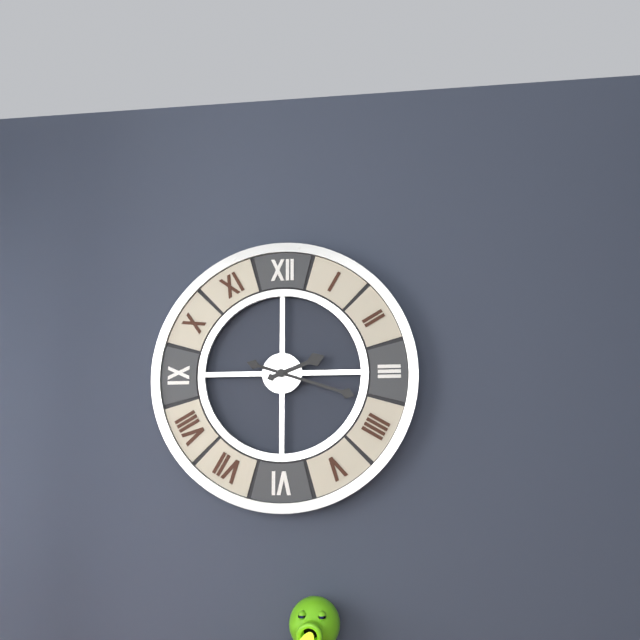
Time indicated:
**2:18**
